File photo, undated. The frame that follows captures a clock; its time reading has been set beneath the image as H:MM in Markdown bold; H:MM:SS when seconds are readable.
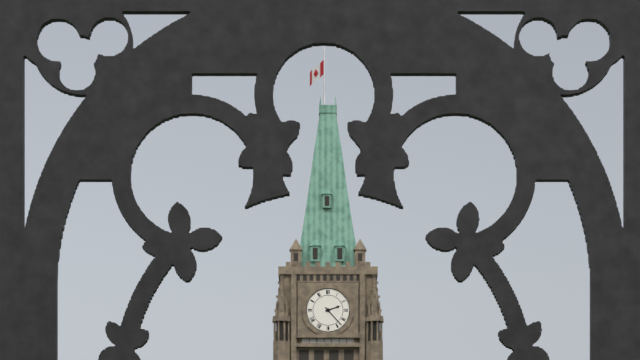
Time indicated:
**2:23**
